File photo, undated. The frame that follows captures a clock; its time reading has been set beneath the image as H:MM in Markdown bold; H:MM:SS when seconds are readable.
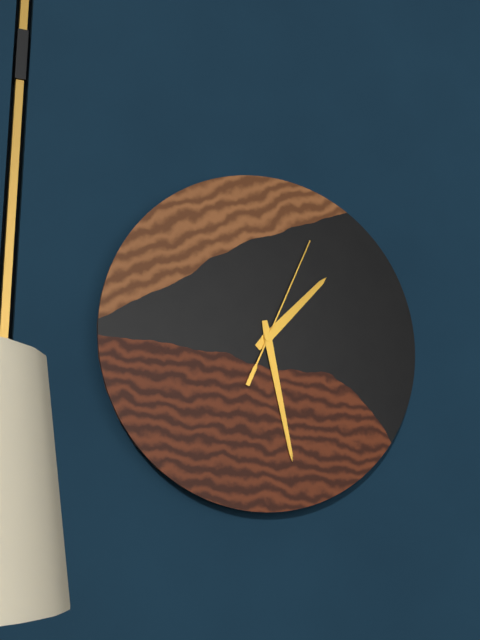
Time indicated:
**1:28:04**
